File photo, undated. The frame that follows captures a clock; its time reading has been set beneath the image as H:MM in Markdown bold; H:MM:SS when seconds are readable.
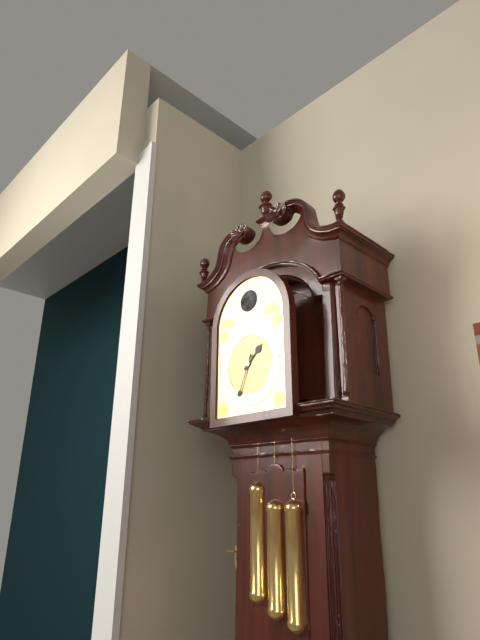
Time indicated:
**1:34**
